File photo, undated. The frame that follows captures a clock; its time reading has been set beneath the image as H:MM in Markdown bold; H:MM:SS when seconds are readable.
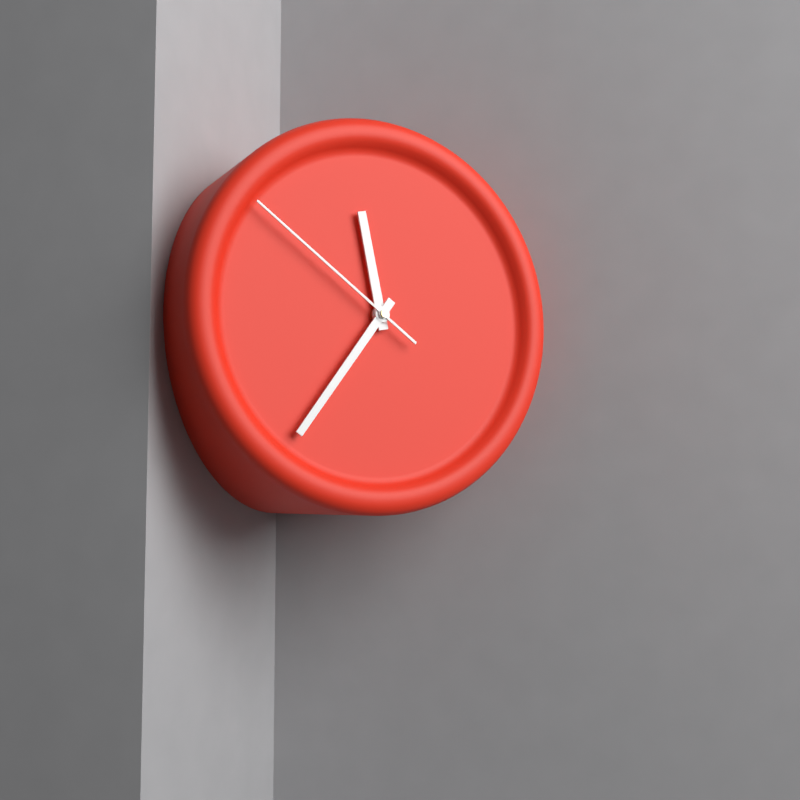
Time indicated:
**11:36:51**
